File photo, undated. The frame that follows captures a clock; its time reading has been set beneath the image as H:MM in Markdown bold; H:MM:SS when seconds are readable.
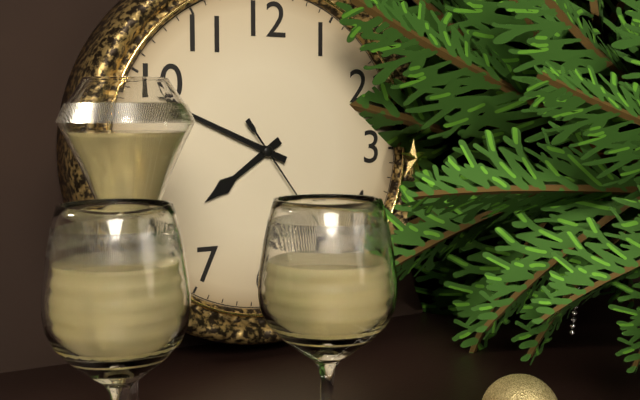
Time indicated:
**7:49**
